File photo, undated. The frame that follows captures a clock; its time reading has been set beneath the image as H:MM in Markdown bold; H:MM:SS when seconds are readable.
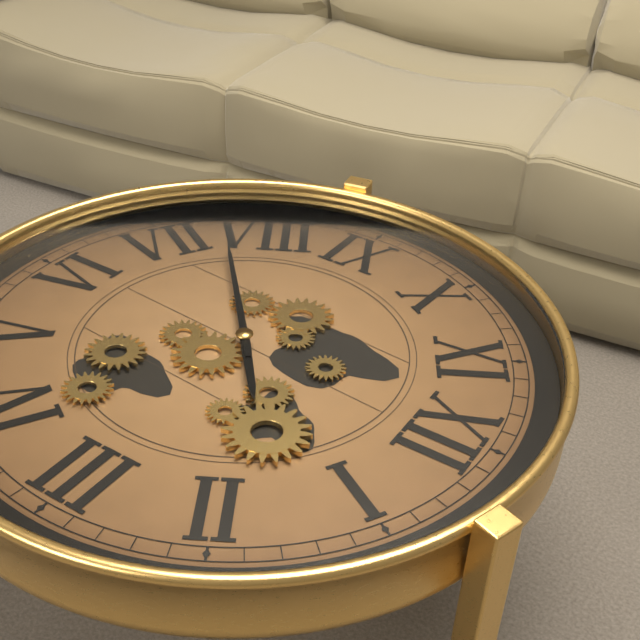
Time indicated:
**1:38**
